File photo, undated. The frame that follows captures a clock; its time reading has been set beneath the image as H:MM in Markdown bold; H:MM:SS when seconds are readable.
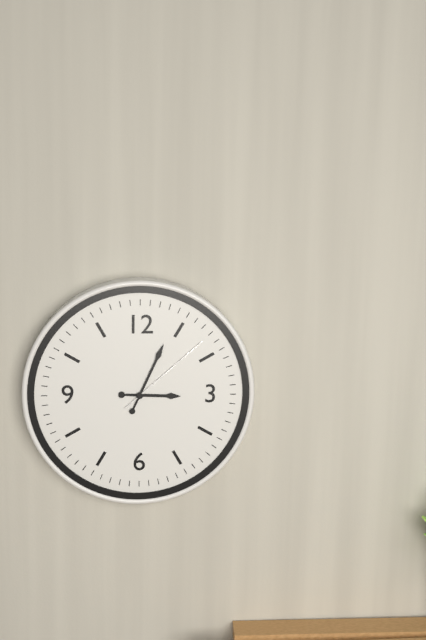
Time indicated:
**3:04:08**
